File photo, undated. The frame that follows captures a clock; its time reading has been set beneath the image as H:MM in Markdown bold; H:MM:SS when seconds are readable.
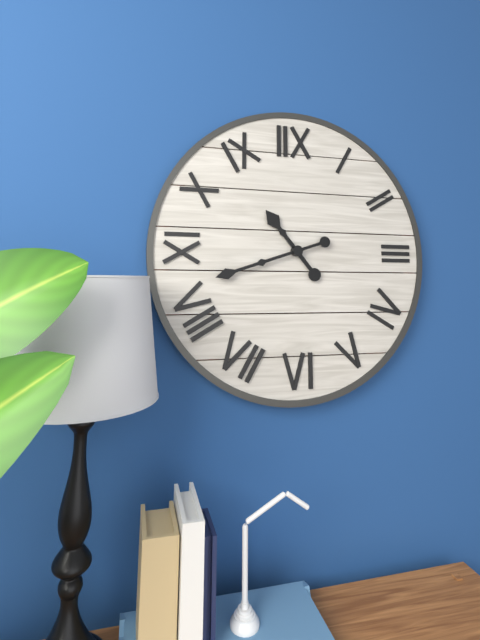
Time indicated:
**10:42**
